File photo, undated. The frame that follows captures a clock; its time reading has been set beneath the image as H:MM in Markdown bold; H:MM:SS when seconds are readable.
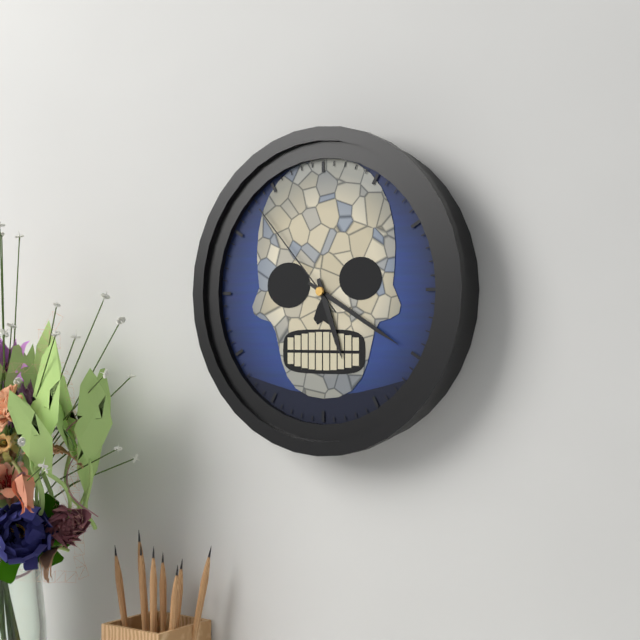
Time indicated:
**5:20:53**
